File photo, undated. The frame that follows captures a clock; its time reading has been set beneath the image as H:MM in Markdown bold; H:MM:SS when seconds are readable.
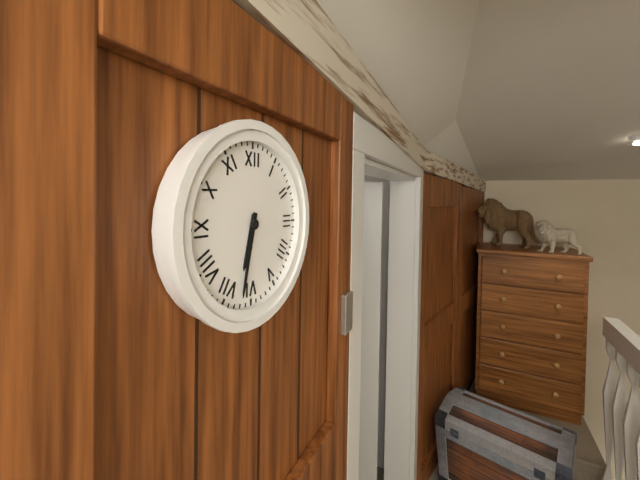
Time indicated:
**6:32**
